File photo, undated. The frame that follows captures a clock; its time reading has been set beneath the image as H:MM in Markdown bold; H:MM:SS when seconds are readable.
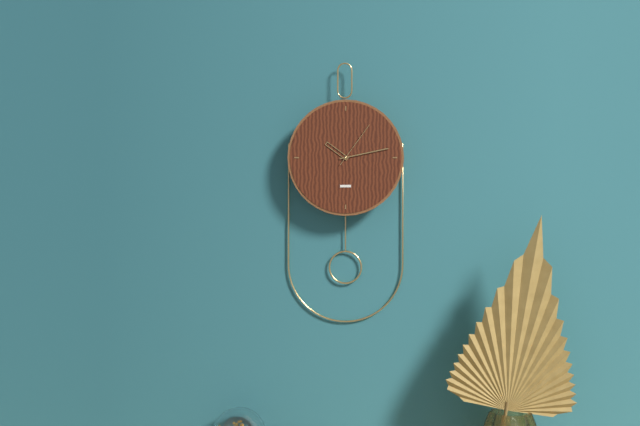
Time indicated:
**10:13:06**
